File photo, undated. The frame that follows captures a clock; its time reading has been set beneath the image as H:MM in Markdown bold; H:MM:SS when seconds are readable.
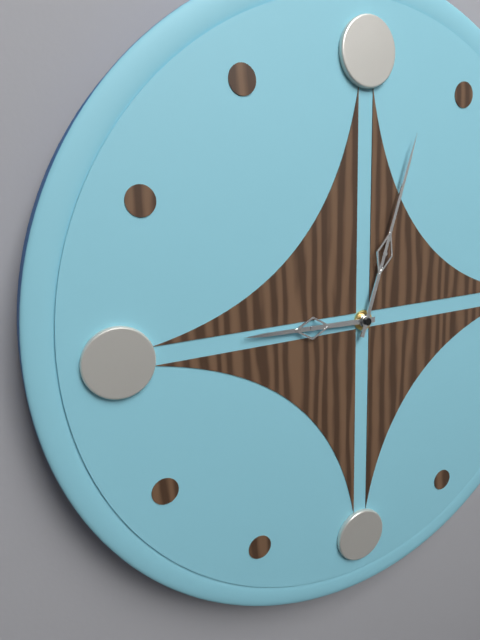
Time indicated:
**9:03**
